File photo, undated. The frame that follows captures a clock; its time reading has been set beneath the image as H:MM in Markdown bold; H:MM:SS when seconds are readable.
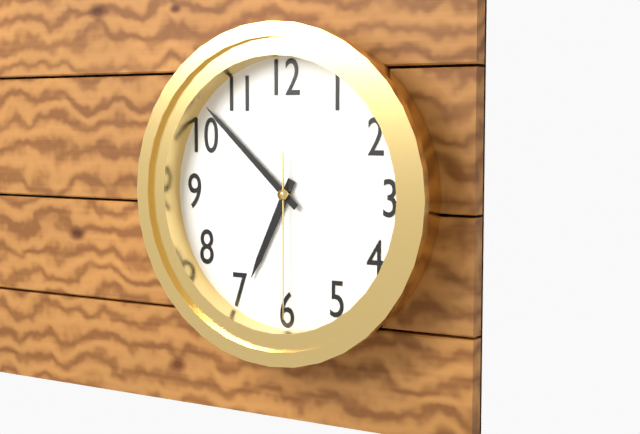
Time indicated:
**6:52:30**
